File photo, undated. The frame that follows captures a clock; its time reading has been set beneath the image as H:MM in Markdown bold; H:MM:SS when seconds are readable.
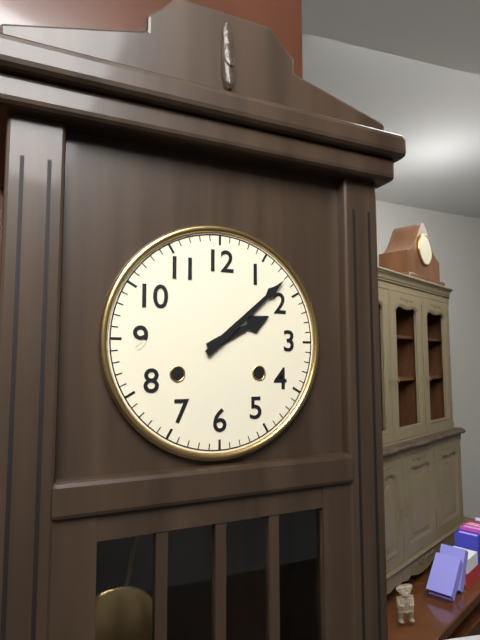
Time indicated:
**2:08**
